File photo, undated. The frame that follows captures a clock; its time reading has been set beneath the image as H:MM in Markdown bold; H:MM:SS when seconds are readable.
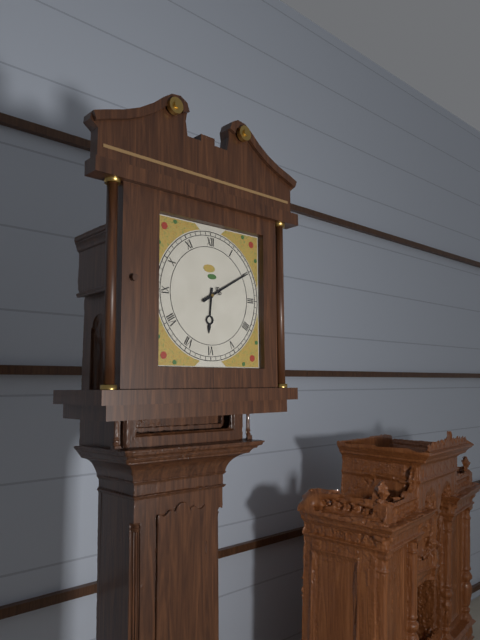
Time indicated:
**6:10**
